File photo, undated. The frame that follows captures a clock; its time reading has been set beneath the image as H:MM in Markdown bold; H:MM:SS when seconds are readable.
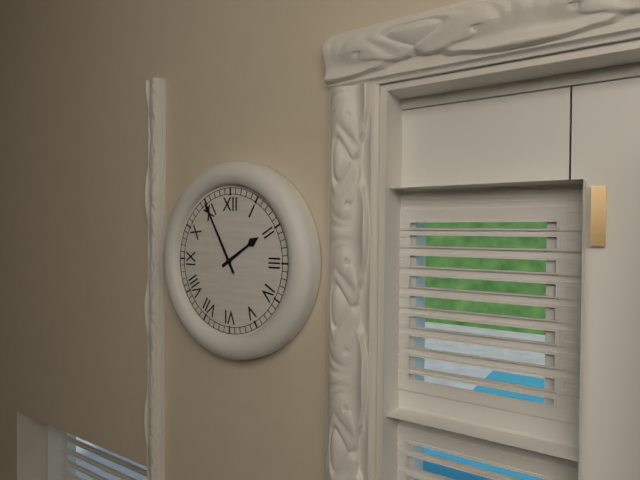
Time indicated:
**1:55**
